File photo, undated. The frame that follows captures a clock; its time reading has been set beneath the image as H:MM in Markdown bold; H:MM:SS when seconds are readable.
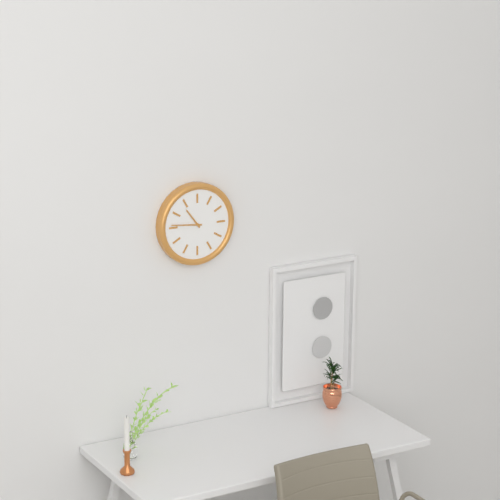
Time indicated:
**10:46**
